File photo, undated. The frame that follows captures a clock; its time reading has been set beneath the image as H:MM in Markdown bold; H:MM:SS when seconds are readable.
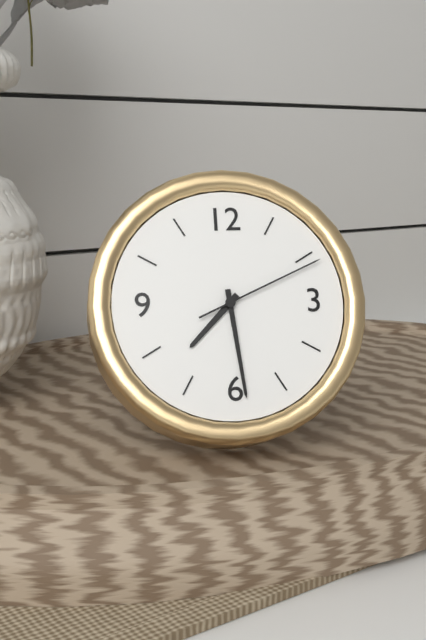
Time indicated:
**7:29:11**
